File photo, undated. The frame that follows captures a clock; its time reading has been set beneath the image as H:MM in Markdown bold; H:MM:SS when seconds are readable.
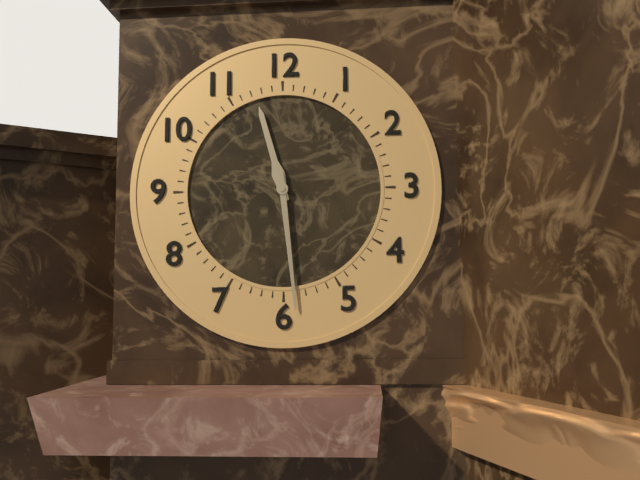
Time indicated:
**11:29**
